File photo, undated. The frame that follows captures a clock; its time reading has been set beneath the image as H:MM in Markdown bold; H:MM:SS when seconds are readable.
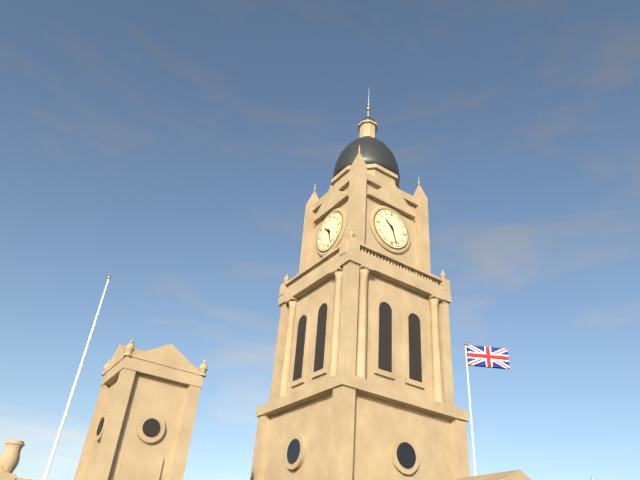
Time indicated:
**10:27**
